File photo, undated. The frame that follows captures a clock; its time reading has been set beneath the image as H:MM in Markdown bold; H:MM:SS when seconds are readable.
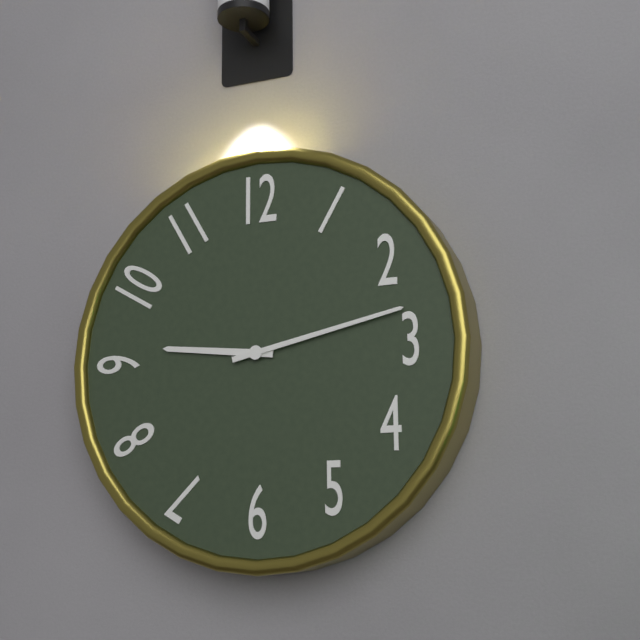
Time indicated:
**9:13**
